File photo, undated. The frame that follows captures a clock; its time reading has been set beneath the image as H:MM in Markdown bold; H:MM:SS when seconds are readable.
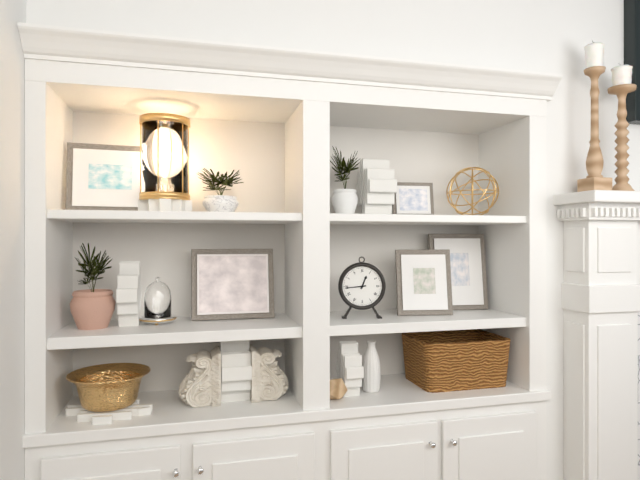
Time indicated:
**12:44**
